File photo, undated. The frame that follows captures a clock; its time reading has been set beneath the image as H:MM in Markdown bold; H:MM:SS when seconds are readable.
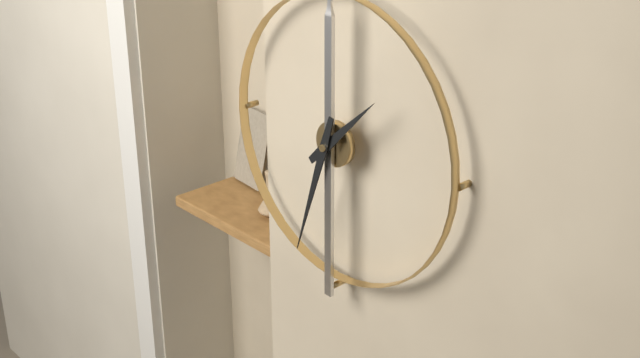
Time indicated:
**1:33**
